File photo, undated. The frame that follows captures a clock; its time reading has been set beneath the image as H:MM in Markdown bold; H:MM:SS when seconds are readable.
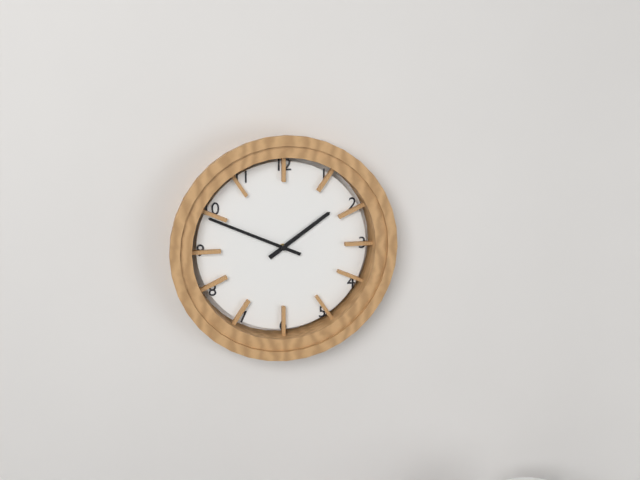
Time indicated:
**1:49**
